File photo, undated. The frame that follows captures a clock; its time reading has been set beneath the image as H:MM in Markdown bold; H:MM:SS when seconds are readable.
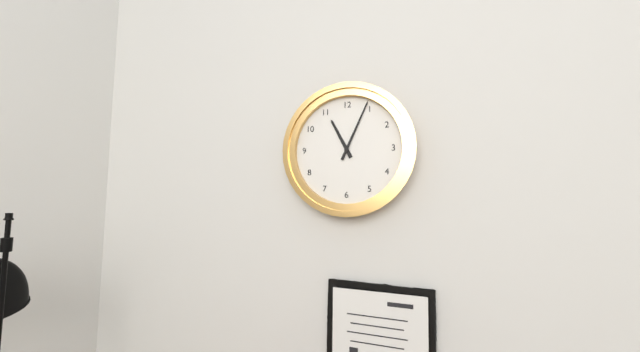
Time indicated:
**11:04**
